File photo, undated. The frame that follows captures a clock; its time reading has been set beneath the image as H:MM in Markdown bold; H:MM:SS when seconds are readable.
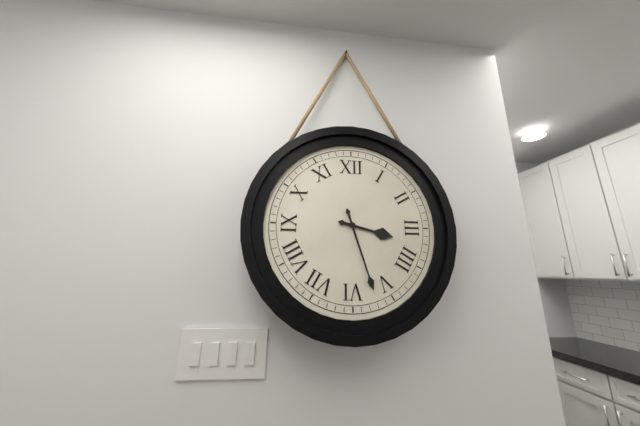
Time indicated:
**3:27**
